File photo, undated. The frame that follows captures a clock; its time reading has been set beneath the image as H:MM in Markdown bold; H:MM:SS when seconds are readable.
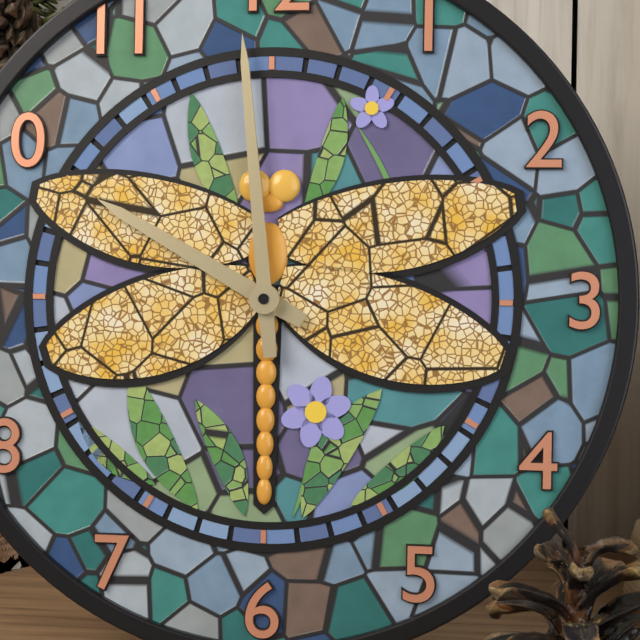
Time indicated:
**9:59**
